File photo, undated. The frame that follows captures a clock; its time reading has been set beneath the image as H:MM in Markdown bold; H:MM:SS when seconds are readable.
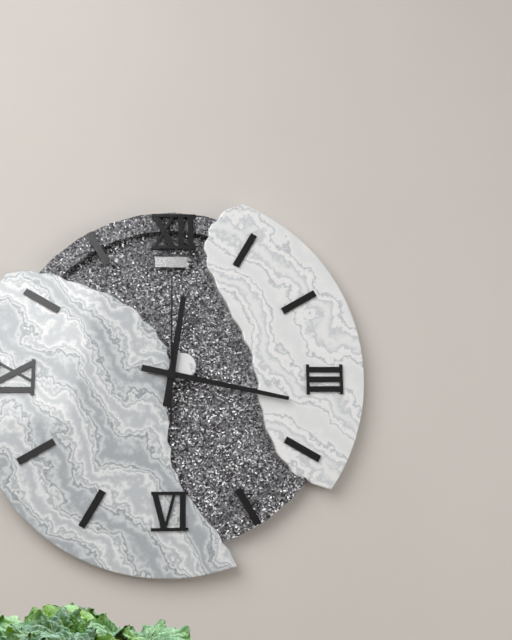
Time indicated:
**12:17:00**
